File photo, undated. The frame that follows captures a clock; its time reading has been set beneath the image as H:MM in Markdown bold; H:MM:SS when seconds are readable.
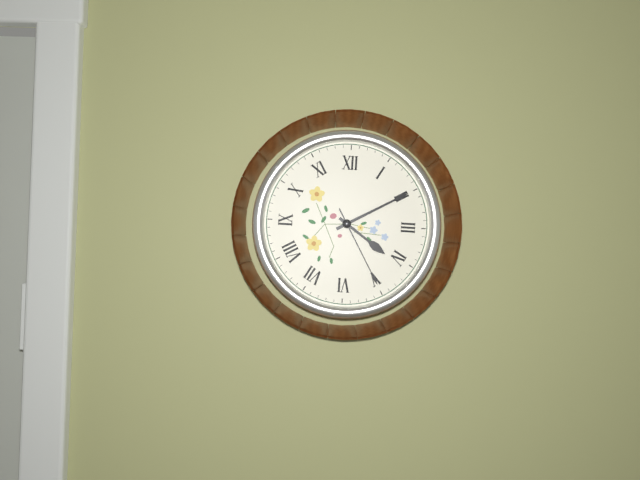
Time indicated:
**4:10:25**
